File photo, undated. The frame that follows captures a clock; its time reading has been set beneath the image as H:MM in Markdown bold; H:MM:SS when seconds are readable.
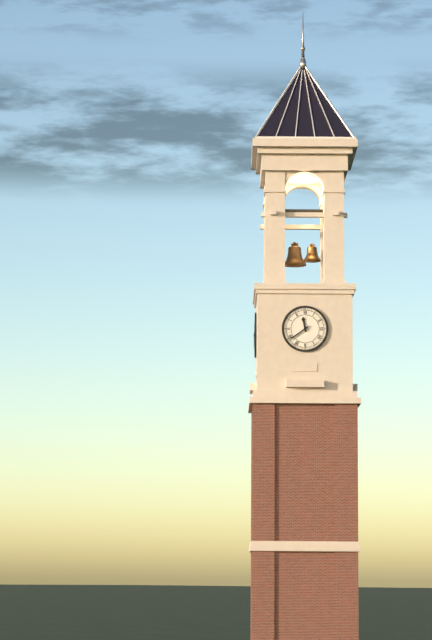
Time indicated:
**11:39**
